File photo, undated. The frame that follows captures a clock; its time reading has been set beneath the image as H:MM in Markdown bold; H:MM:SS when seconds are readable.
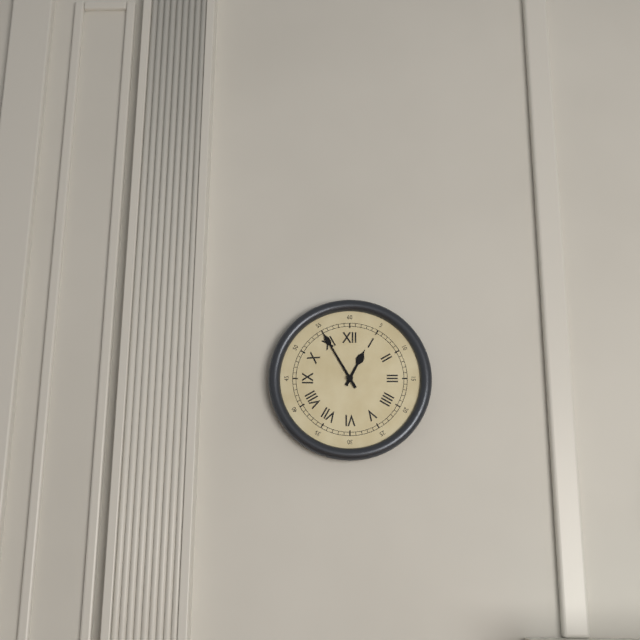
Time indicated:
**12:55**
